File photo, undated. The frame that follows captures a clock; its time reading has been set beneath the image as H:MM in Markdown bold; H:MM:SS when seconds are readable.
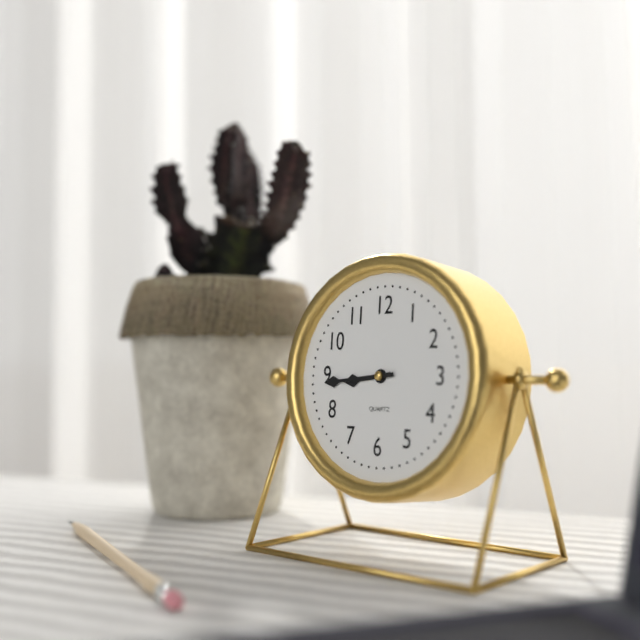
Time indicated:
**8:44**
